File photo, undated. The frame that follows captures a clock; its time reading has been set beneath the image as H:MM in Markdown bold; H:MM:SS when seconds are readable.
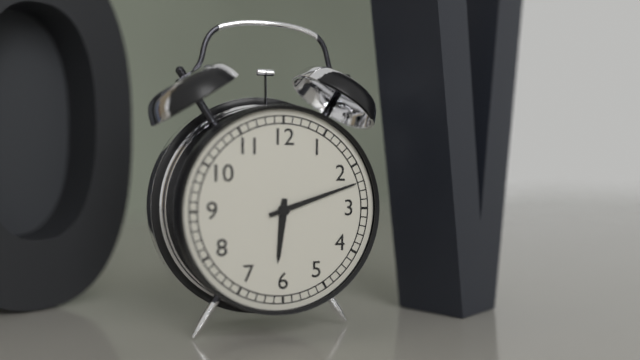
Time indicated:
**6:12**
